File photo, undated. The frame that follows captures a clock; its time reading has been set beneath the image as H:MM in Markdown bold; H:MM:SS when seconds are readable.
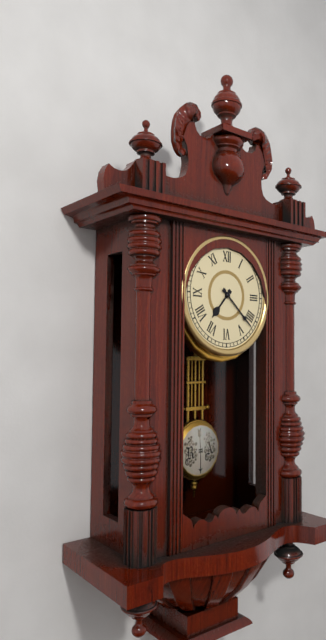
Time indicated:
**7:22**
